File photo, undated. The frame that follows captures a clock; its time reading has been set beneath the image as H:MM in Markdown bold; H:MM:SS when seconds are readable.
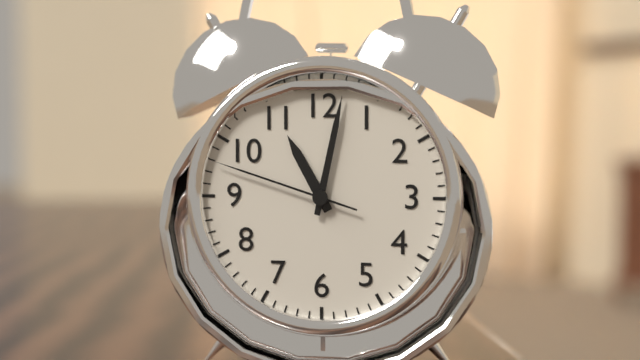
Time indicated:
**11:02:48**
